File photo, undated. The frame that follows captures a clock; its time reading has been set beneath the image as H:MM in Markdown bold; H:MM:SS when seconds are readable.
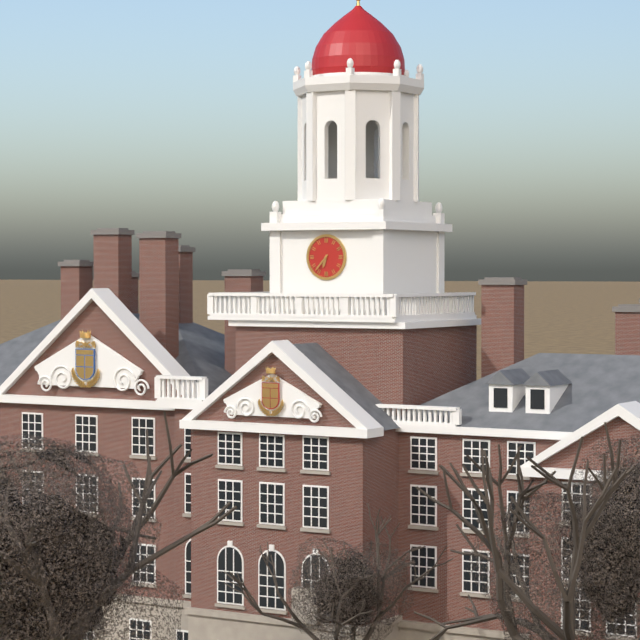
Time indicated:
**6:37**
